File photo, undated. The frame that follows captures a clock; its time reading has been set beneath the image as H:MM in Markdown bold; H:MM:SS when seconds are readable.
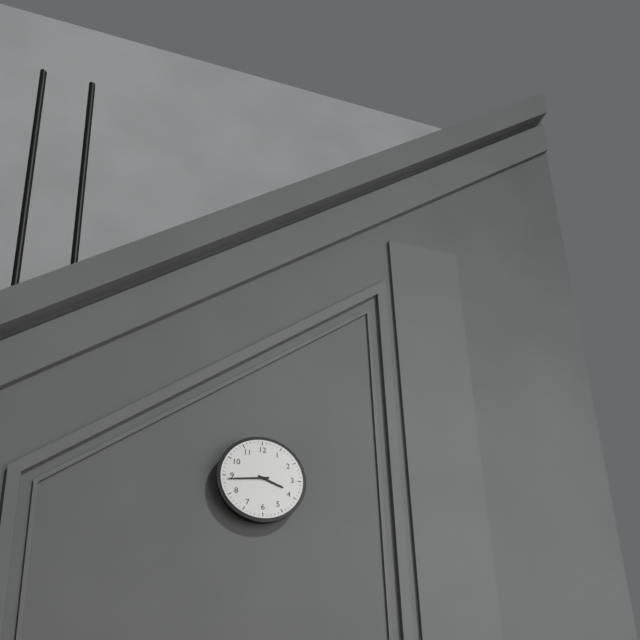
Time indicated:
**3:44**
